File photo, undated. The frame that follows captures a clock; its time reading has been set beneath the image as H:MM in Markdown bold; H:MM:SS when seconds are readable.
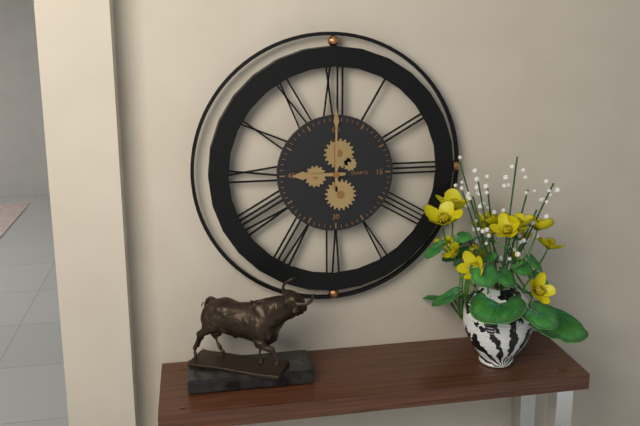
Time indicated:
**9:00**
